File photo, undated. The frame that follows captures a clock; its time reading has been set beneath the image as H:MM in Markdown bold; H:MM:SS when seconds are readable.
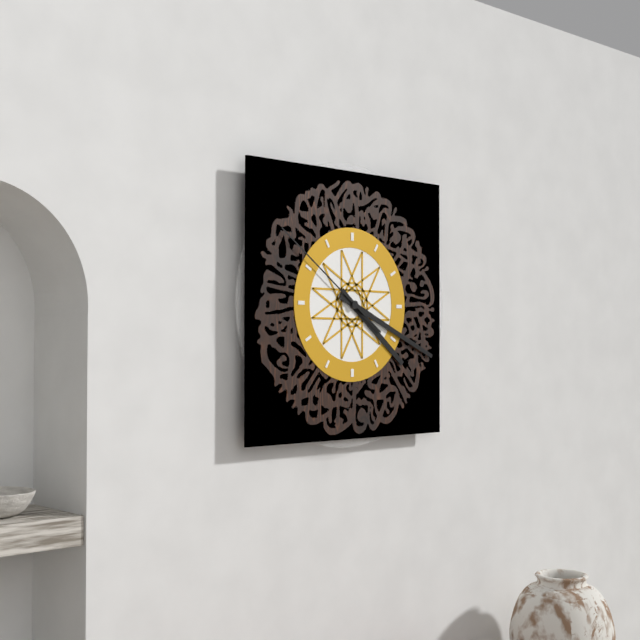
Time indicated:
**4:19:51**
